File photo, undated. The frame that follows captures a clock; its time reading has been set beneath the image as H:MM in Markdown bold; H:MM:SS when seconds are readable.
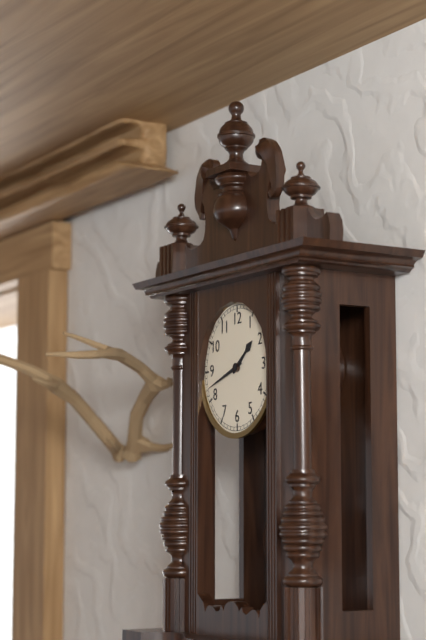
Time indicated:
**1:42**
